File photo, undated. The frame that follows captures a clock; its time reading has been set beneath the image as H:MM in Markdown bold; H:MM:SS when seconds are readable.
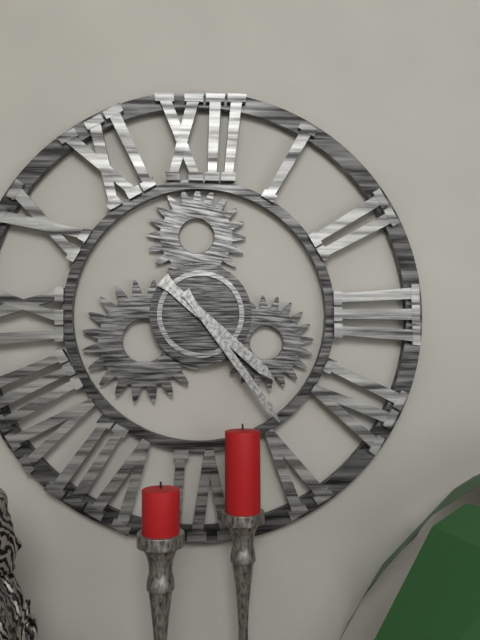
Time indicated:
**4:24**
